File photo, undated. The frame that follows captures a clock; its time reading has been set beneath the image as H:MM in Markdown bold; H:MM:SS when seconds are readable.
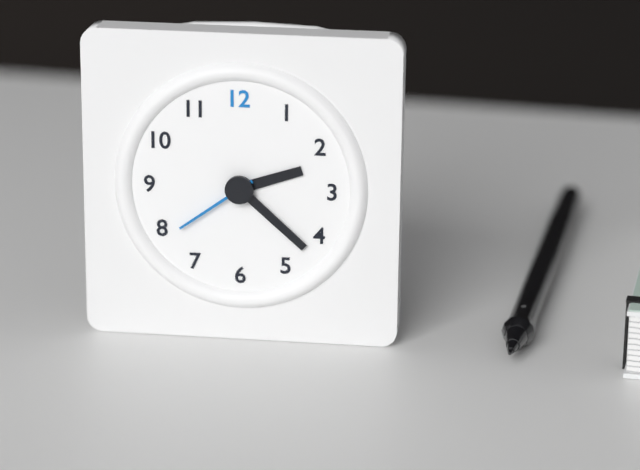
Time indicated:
**2:22:39**
